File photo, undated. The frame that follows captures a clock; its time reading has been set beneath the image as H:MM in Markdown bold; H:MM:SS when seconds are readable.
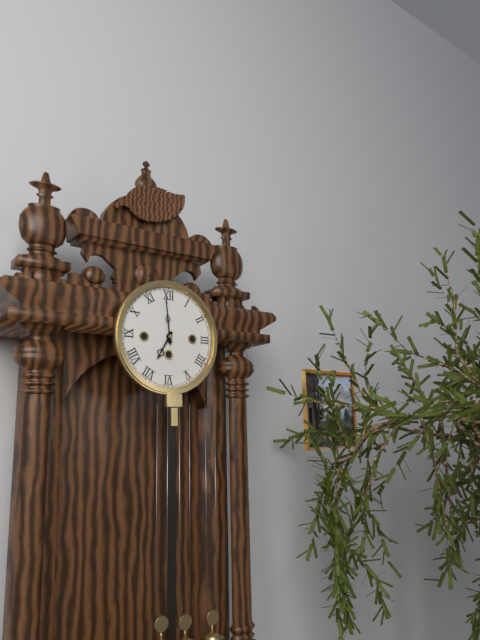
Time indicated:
**6:59**
